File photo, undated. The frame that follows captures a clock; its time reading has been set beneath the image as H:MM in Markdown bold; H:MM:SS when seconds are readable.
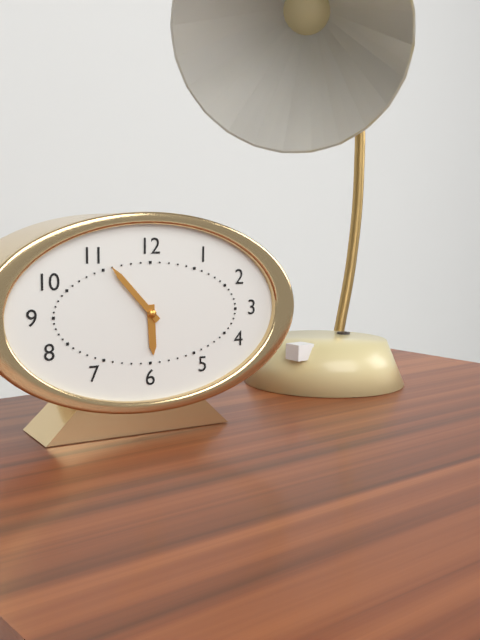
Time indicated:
**5:53**
